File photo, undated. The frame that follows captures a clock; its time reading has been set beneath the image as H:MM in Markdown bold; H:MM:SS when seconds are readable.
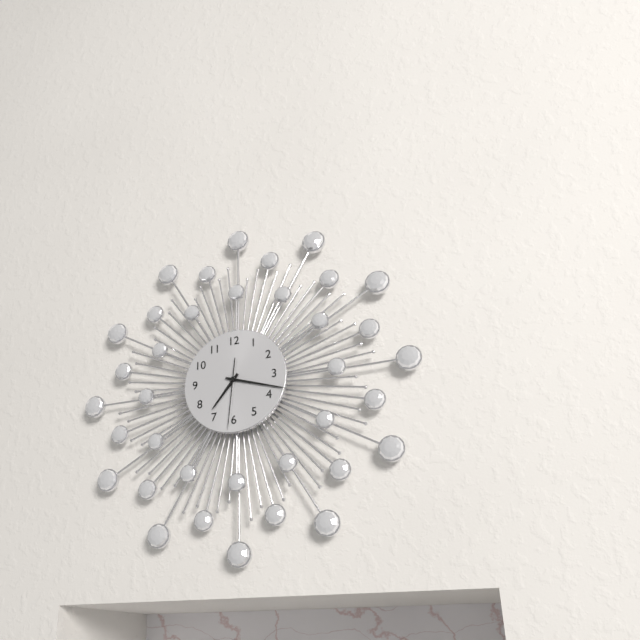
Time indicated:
**7:18:31**
